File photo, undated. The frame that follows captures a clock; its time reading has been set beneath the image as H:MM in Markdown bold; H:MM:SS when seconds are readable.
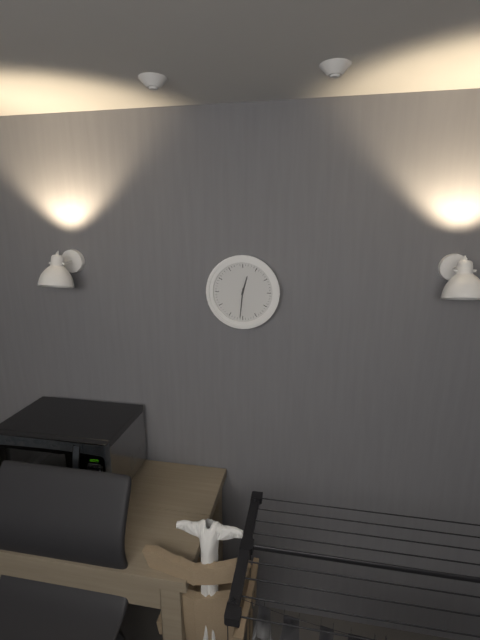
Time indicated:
**12:31**
